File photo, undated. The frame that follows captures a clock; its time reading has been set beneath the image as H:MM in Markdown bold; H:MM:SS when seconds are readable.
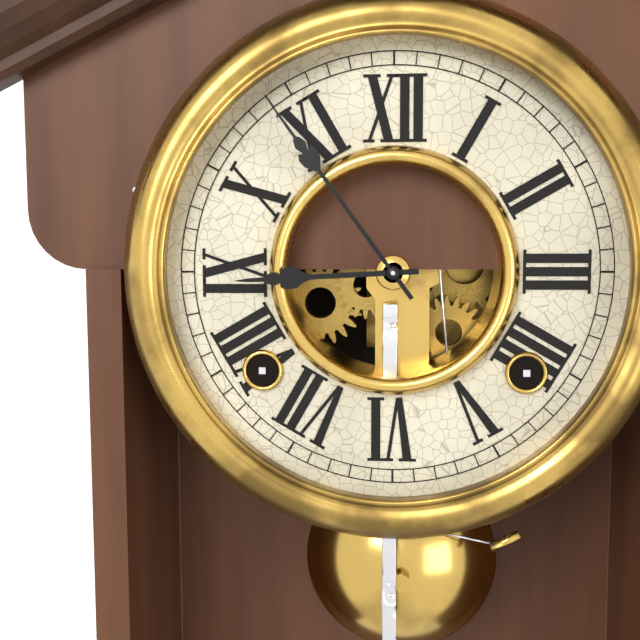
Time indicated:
**8:54**
